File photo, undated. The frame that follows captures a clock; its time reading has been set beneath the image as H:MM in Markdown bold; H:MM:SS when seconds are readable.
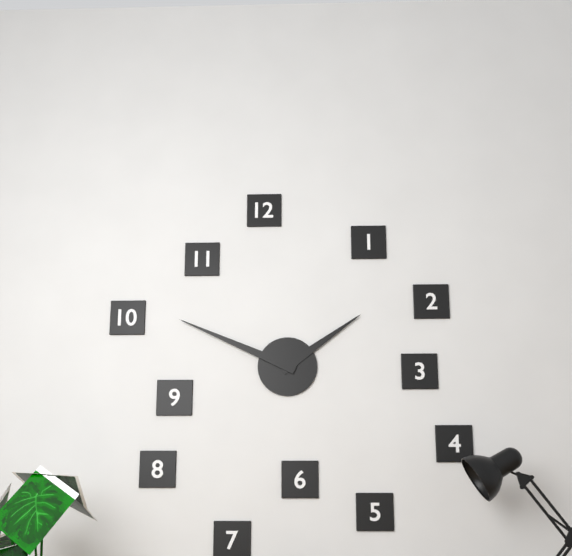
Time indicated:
**1:49**
